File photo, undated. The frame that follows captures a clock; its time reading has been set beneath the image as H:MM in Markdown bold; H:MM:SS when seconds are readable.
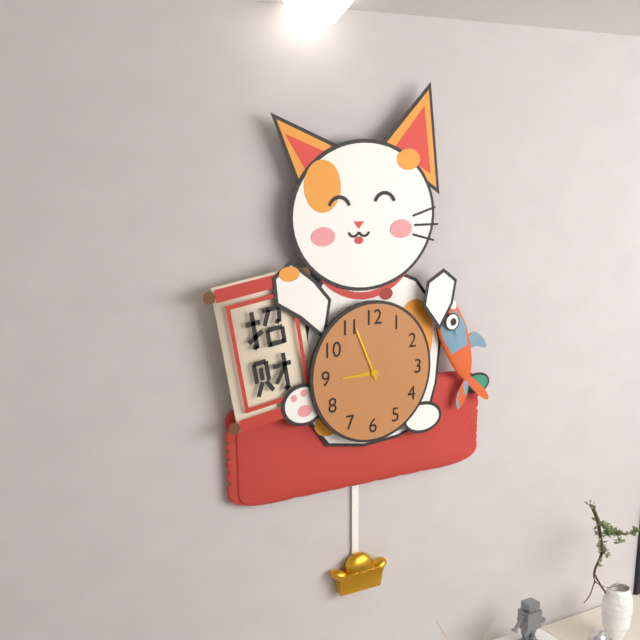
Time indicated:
**8:56**
